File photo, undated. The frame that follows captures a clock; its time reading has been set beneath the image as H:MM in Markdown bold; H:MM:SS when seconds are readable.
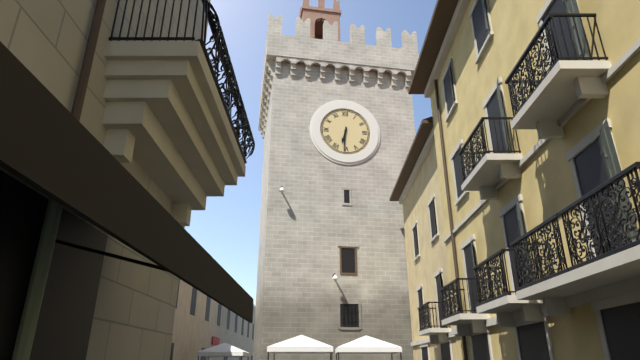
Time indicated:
**6:31**
